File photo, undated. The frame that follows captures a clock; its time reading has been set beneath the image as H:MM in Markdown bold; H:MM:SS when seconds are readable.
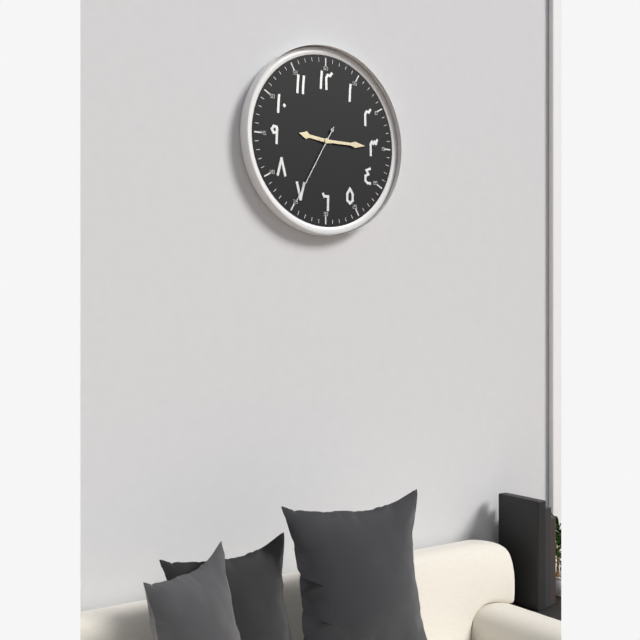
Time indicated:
**9:15:35**
